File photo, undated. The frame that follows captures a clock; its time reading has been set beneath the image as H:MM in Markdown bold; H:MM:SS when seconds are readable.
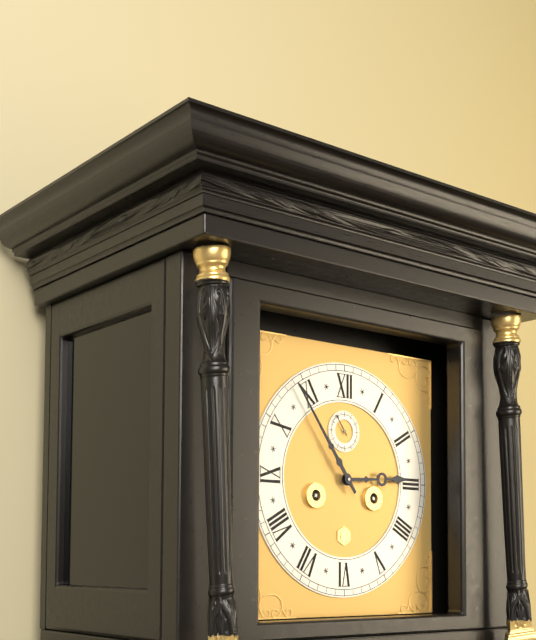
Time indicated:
**2:54**
